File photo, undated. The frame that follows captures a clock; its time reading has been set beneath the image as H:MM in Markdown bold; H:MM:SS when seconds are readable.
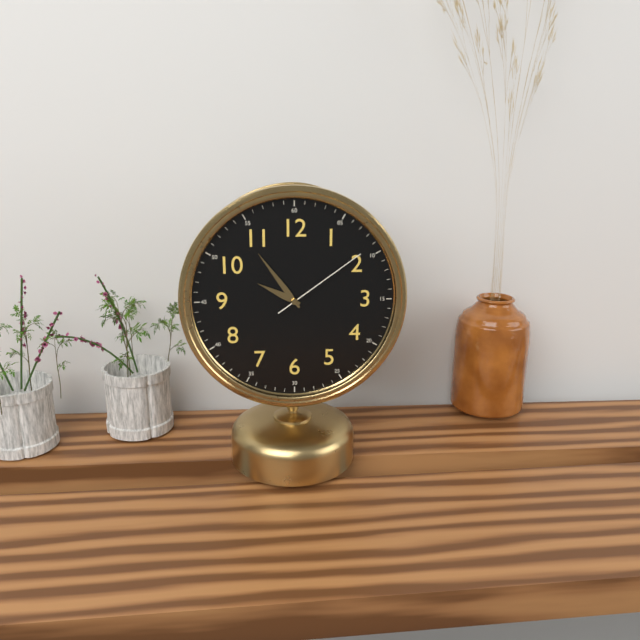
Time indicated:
**9:54:09**
